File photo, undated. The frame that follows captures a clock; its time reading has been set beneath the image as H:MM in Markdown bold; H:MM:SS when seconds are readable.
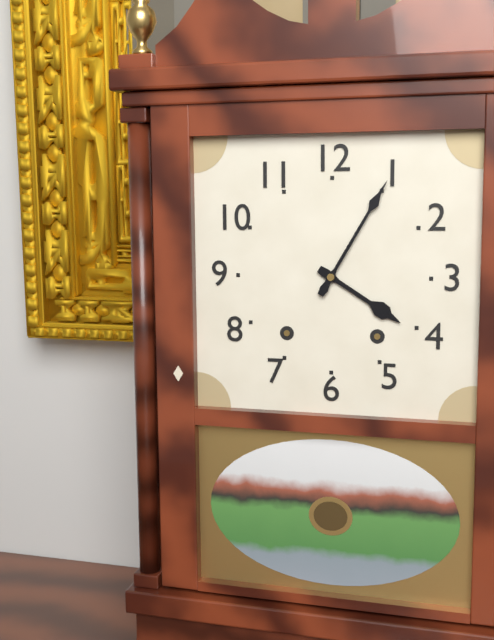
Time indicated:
**4:05**
